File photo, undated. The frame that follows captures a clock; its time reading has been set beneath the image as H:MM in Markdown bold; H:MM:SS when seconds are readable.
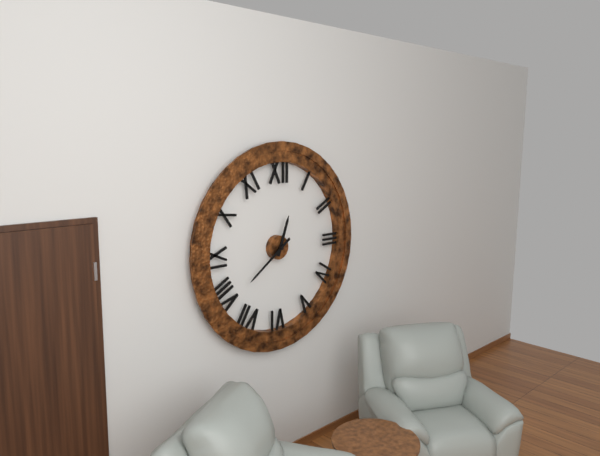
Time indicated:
**12:39**
